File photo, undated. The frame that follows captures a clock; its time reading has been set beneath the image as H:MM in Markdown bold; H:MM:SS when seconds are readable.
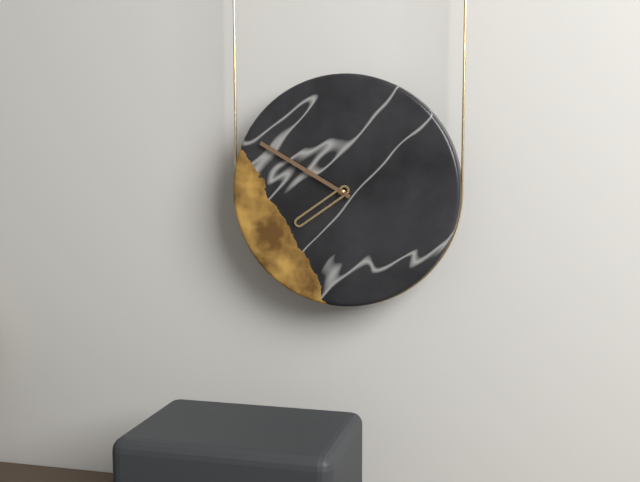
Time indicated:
**7:50**
